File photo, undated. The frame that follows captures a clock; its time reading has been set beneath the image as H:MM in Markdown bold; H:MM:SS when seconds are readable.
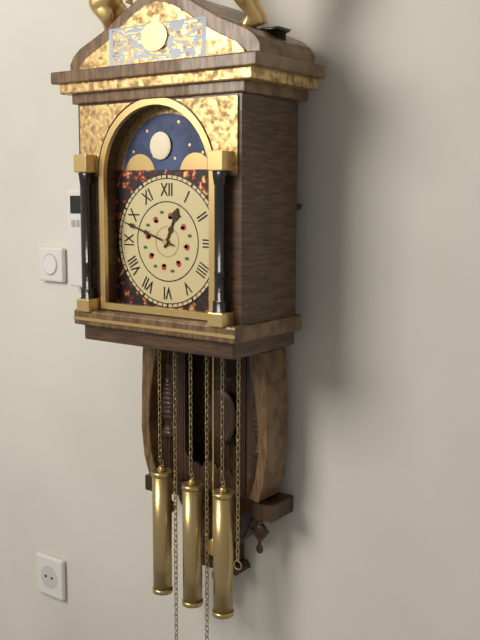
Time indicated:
**12:48**
